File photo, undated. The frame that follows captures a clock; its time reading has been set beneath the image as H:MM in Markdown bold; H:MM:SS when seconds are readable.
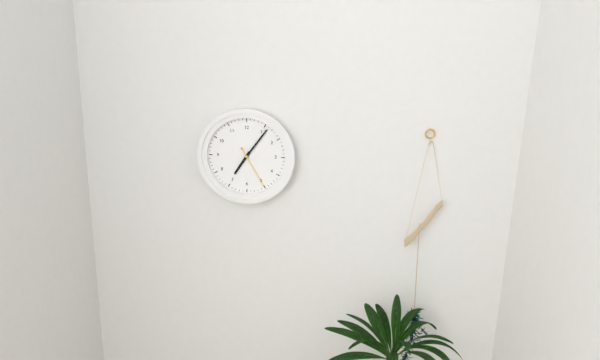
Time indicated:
**7:06**
